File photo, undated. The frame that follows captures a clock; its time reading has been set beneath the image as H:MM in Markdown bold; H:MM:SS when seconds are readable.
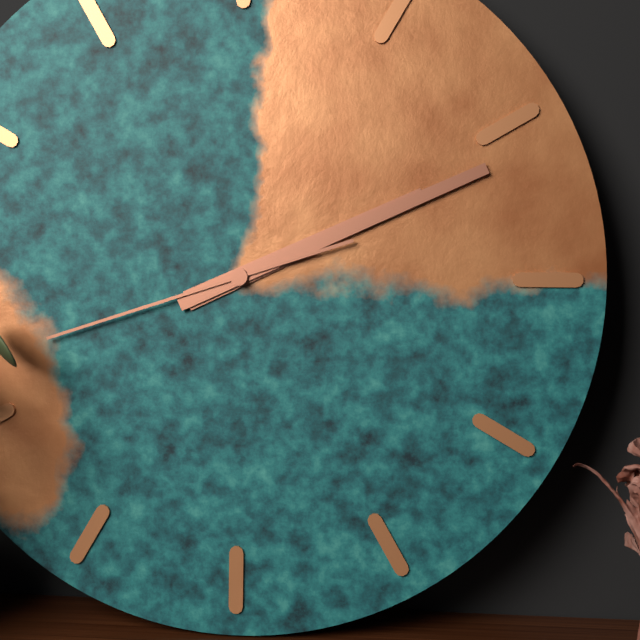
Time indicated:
**2:11:42**
